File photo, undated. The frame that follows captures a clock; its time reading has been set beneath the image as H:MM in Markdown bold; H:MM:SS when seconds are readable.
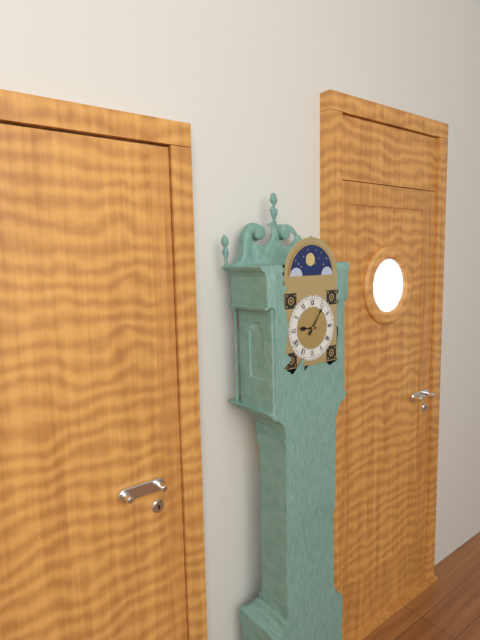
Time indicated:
**9:06**
